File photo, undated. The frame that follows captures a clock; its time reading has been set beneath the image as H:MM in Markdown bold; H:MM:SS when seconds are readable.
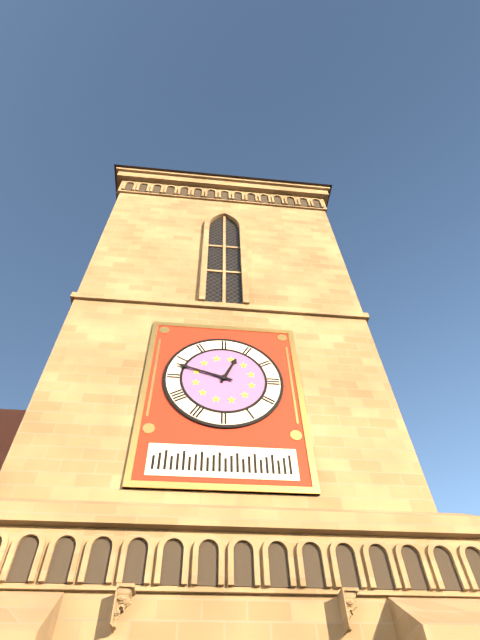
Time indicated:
**12:48**
